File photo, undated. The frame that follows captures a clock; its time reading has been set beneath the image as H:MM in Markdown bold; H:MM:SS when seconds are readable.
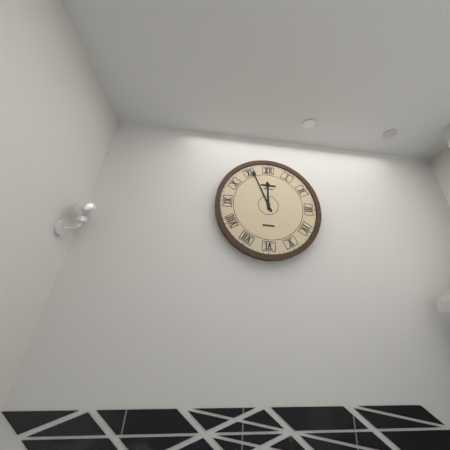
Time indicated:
**11:56**
